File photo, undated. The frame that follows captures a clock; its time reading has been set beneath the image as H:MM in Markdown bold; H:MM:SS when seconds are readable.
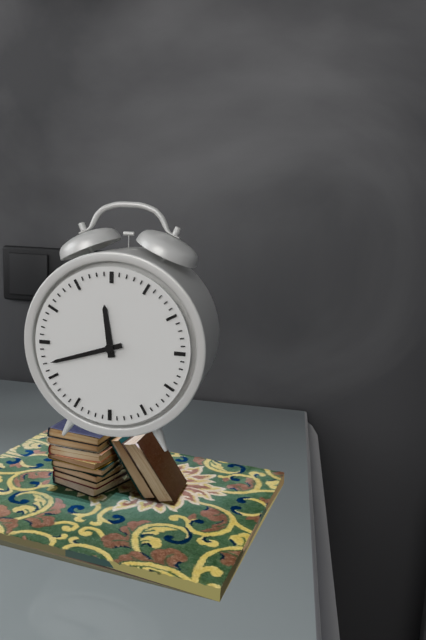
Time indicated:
**11:42**
